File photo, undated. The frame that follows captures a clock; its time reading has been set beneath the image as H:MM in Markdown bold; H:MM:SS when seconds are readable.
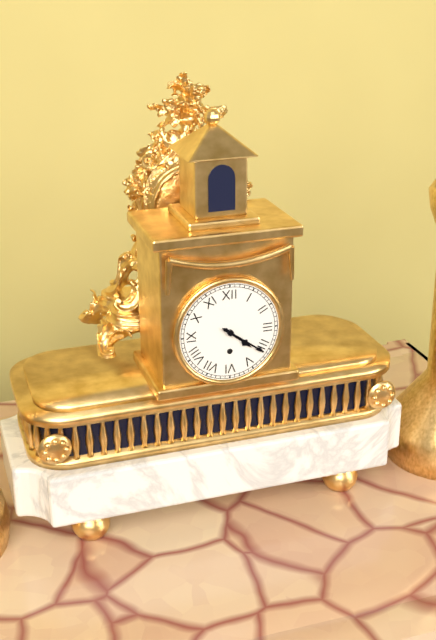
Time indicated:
**4:21**
